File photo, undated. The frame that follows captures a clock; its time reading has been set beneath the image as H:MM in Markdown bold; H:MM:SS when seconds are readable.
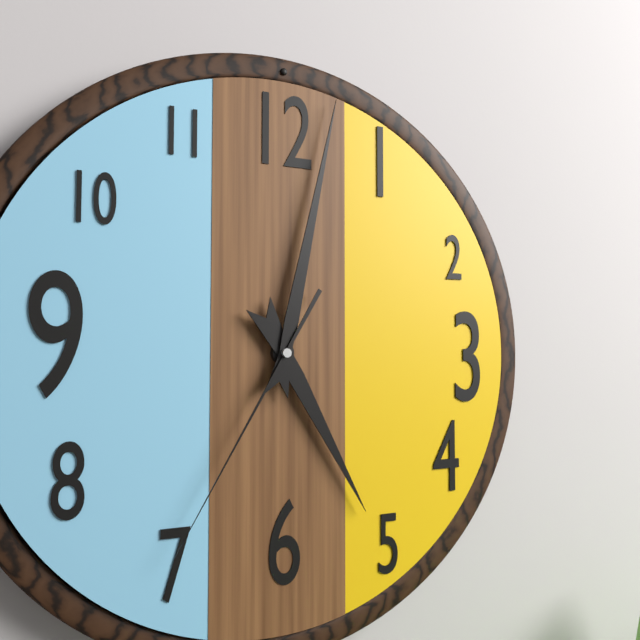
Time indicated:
**5:02:35**
